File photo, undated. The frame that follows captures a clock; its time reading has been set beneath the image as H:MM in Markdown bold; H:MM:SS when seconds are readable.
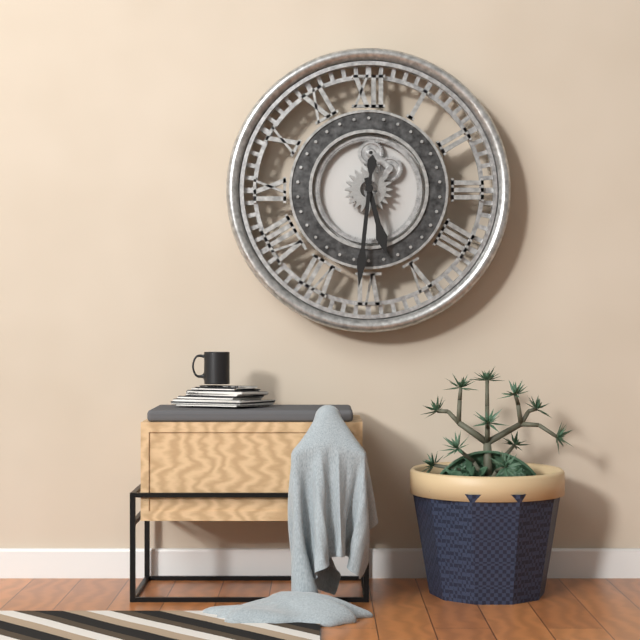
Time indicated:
**5:31**
